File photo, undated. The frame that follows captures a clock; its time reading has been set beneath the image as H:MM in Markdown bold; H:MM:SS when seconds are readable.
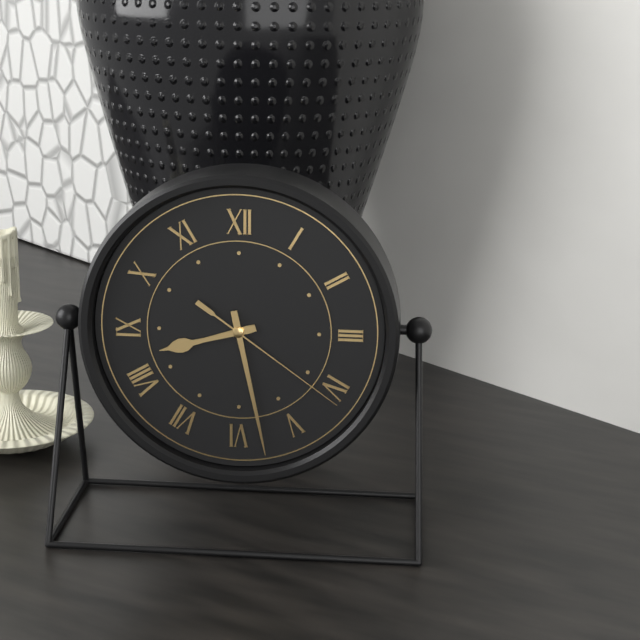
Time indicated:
**8:28:21**
